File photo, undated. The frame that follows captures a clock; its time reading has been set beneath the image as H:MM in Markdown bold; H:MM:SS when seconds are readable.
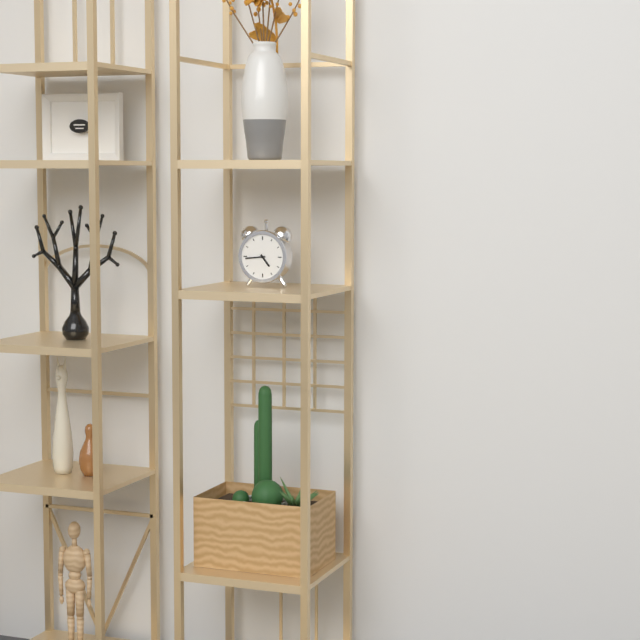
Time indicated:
**4:44**
